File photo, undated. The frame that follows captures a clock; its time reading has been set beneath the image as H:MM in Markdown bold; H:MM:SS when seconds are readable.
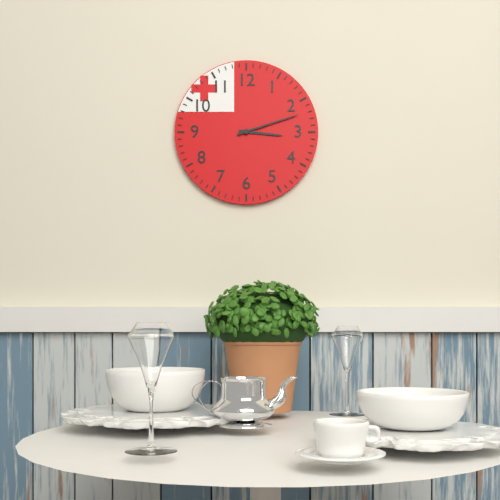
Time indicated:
**3:12**
